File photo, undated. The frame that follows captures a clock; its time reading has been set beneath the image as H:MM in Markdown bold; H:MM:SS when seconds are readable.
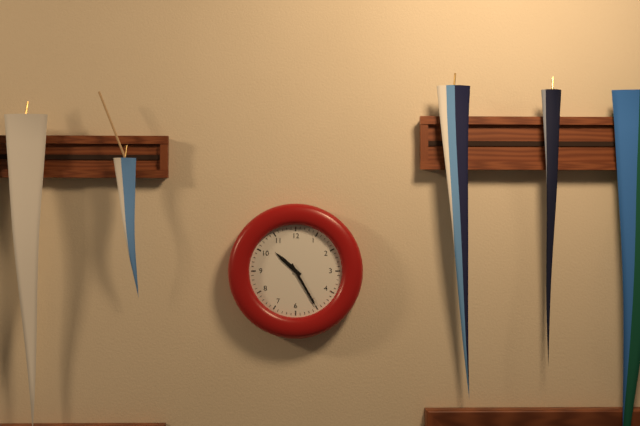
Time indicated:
**10:25**
